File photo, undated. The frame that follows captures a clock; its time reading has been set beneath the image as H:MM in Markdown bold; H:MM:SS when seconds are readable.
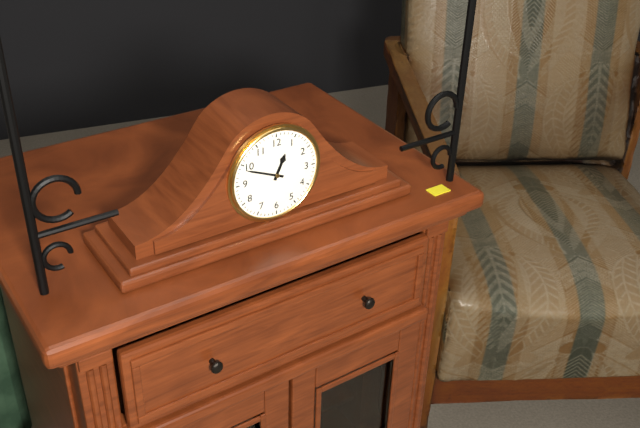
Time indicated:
**12:49**
